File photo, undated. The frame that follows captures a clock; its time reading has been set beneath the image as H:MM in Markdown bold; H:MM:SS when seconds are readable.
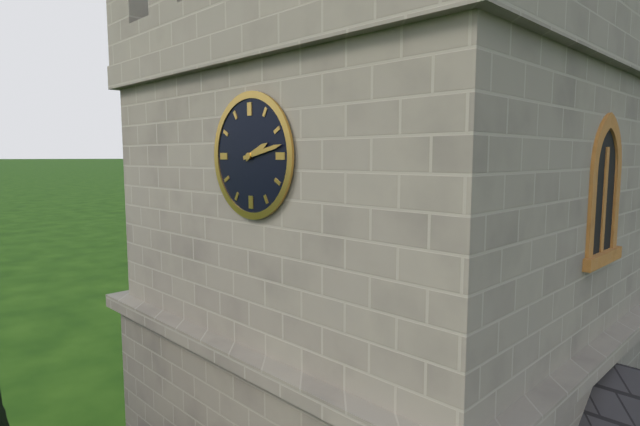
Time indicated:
**2:13**
